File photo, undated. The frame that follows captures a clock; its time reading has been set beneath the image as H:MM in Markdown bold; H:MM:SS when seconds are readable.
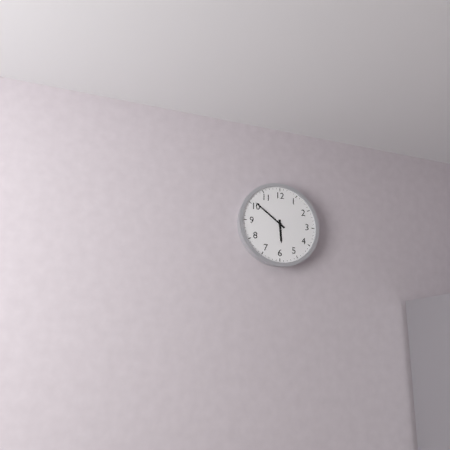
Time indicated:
**5:51**
